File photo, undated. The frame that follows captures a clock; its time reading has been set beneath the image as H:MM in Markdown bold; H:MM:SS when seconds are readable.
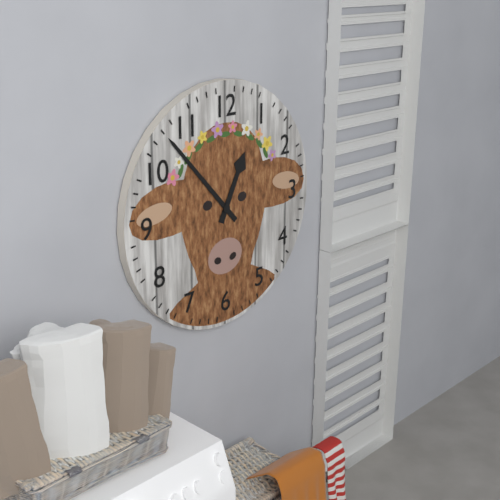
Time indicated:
**12:53**
